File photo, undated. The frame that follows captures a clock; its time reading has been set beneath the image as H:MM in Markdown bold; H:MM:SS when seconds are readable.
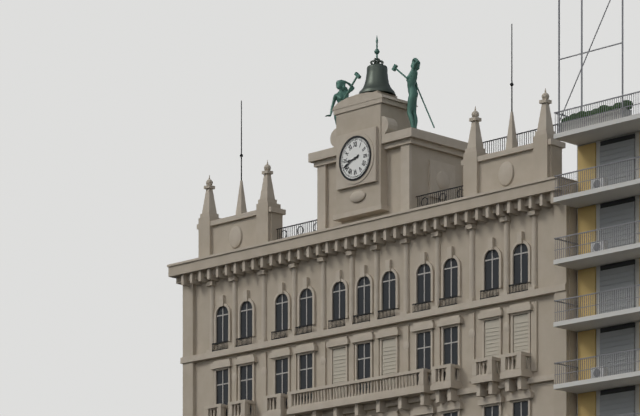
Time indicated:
**8:41**
